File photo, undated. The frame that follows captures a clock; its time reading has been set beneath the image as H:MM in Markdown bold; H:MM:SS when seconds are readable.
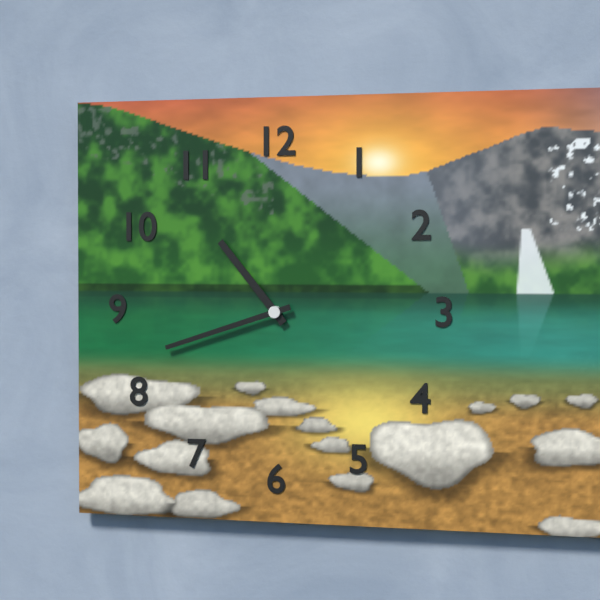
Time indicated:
**10:42**
